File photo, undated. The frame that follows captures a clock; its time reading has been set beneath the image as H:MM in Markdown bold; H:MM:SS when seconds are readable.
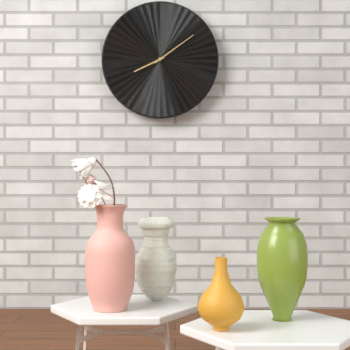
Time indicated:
**8:09**
